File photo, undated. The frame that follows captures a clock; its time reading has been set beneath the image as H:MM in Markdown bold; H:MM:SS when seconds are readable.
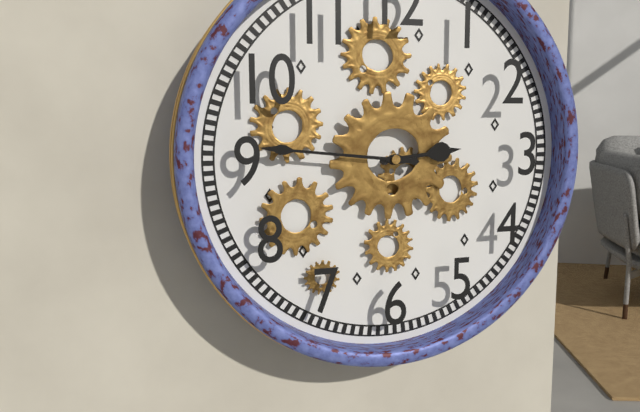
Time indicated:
**2:46**
